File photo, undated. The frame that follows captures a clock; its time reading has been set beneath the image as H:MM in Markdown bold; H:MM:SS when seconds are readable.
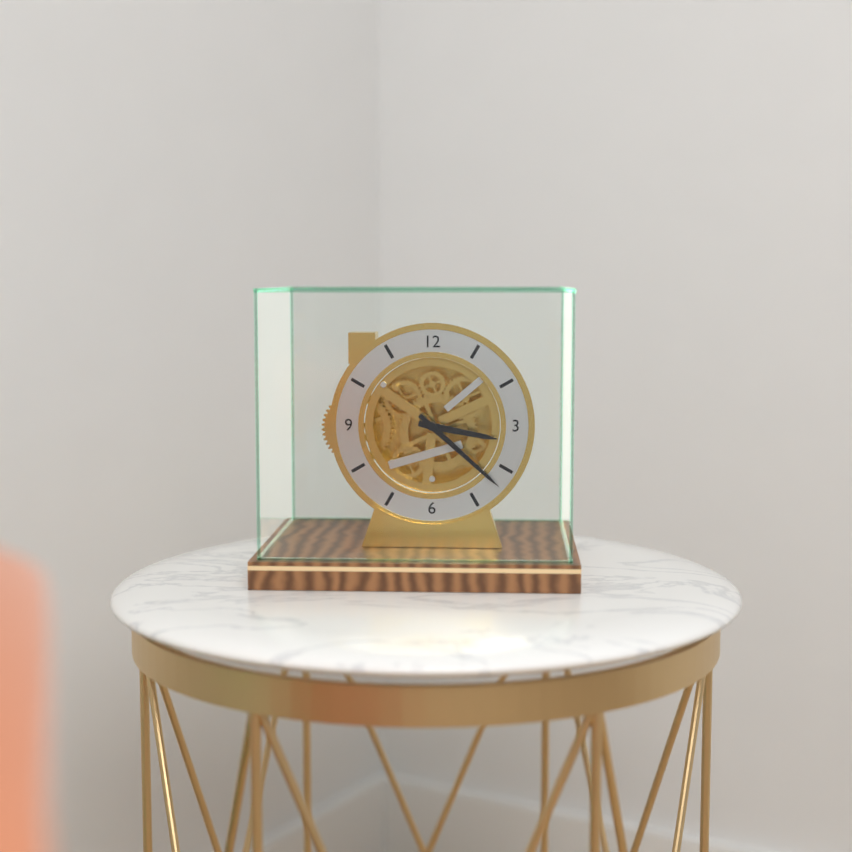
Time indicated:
**3:22**
